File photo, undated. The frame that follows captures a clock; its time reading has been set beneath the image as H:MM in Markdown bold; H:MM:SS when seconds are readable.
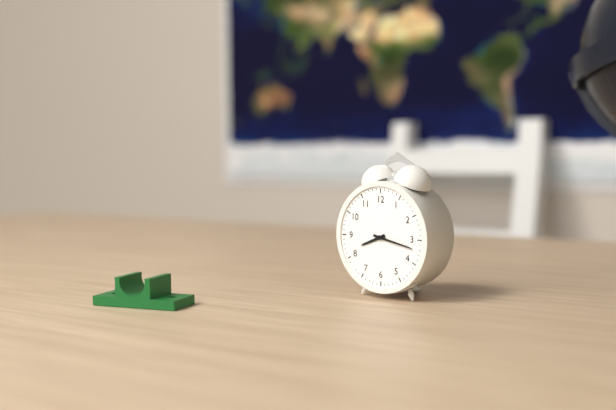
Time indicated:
**8:17**
